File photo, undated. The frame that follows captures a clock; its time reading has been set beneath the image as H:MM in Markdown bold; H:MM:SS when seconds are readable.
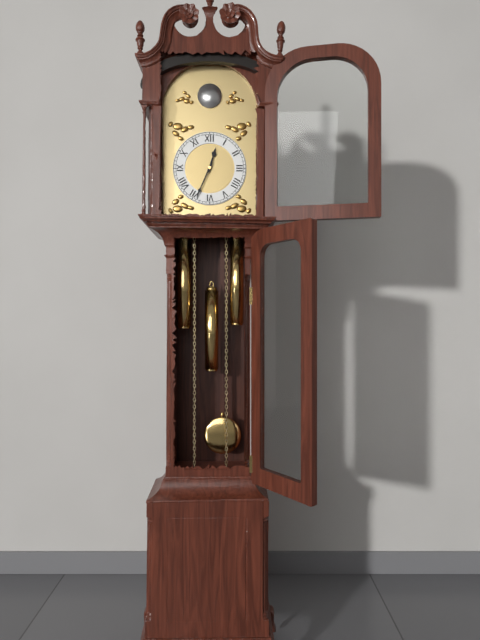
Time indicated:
**12:34**
